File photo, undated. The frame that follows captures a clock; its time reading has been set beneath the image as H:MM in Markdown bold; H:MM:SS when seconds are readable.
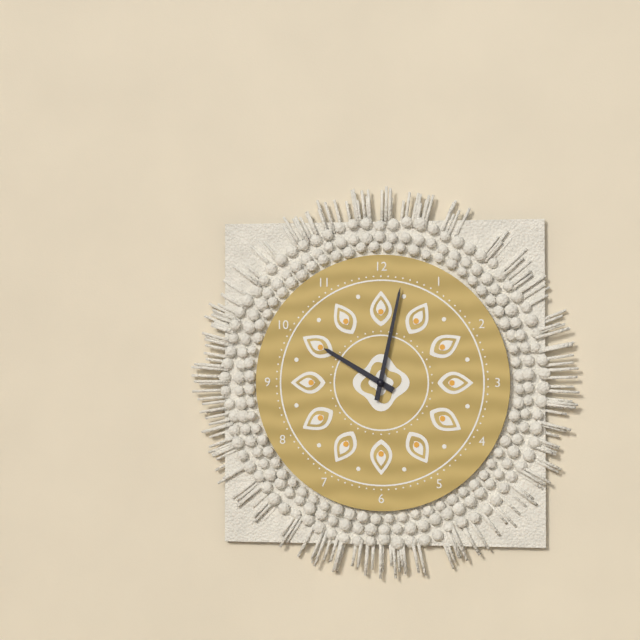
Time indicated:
**10:02**
